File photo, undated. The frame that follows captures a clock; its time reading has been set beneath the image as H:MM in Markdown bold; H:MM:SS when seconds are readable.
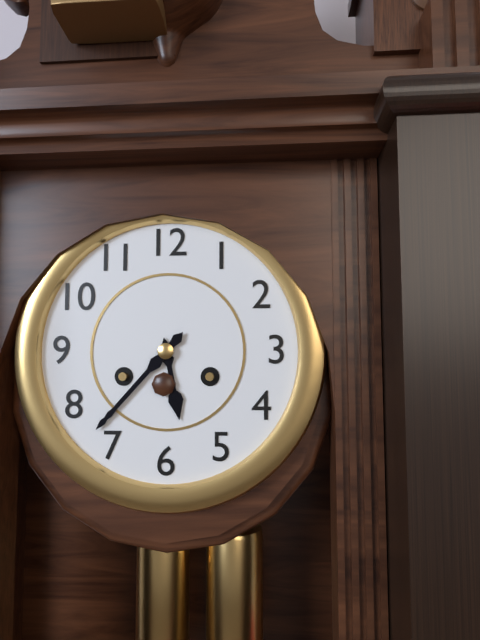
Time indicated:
**5:37**
